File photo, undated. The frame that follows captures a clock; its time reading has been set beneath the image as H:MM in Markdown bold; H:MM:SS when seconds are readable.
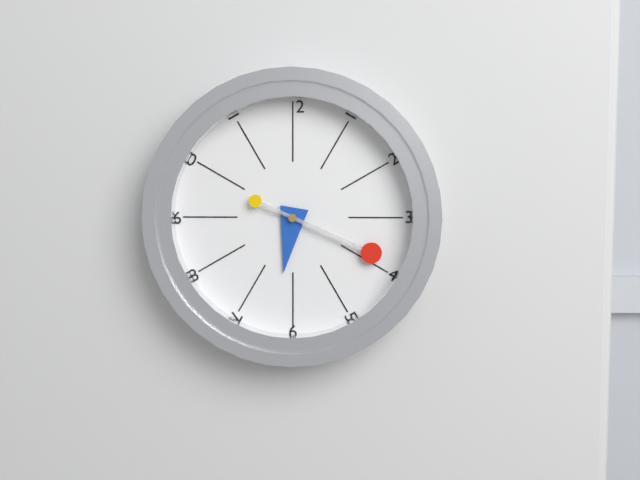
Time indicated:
**6:19**
